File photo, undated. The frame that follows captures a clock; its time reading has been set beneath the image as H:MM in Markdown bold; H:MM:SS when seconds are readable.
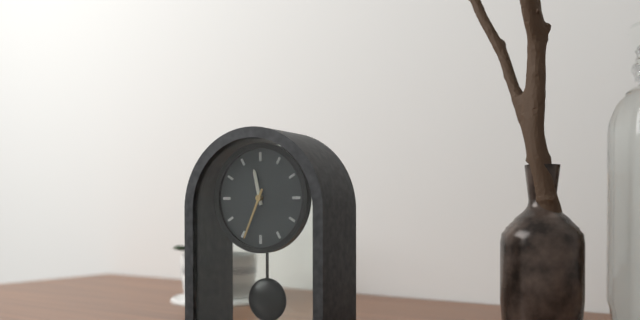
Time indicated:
**11:34**
